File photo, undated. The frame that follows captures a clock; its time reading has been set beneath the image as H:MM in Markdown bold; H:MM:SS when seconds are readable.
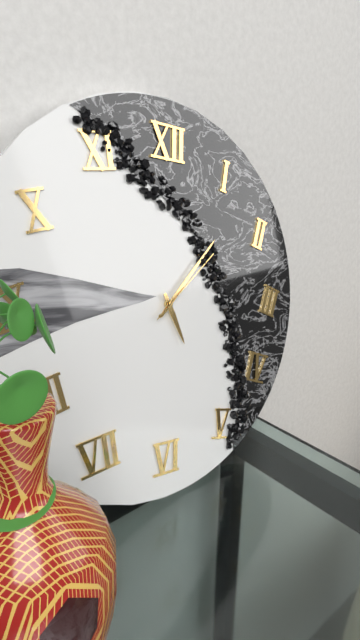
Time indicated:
**5:07:08**
